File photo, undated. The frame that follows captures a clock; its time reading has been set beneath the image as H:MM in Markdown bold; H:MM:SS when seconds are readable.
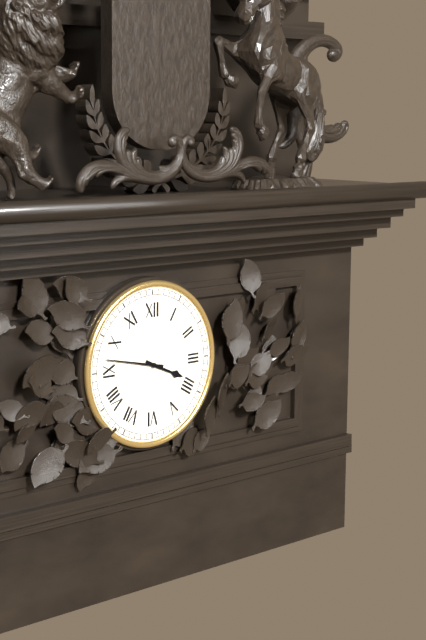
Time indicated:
**3:47**
